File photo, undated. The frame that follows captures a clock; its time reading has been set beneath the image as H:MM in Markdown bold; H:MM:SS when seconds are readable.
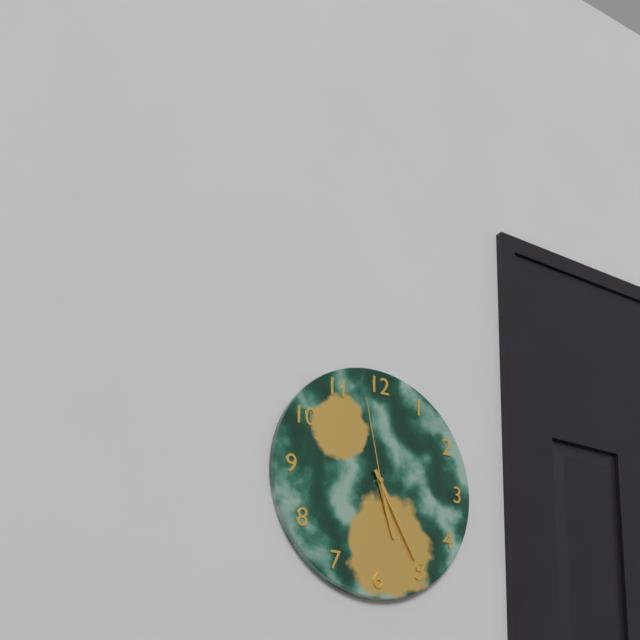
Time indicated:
**5:25:58**
